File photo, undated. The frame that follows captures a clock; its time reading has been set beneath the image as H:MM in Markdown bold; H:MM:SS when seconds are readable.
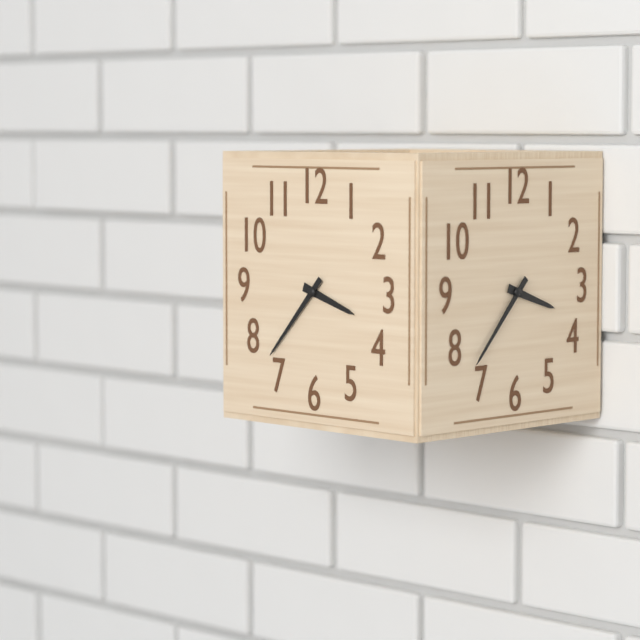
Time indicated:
**3:37**
